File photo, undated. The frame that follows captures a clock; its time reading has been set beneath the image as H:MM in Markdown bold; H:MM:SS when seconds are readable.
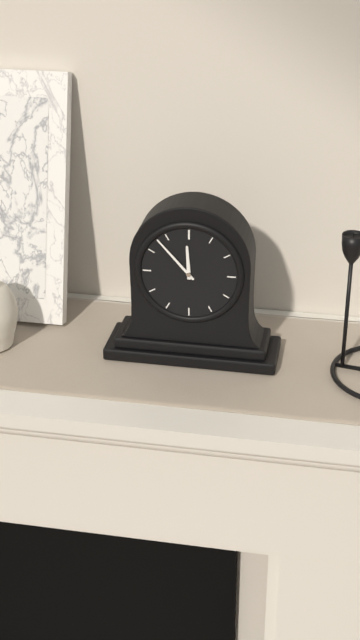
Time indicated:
**11:53**
